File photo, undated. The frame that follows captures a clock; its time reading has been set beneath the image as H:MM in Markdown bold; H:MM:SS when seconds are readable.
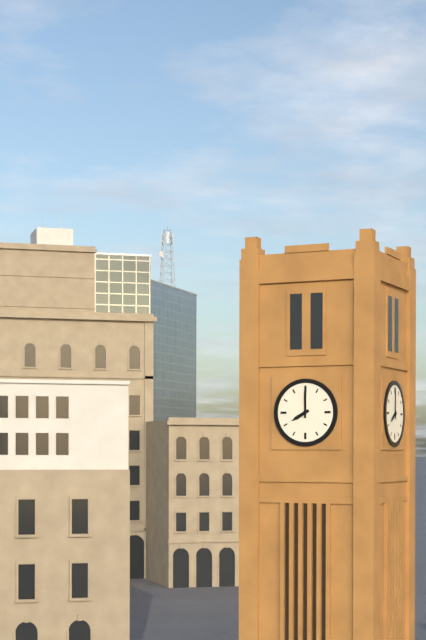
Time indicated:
**8:00**
